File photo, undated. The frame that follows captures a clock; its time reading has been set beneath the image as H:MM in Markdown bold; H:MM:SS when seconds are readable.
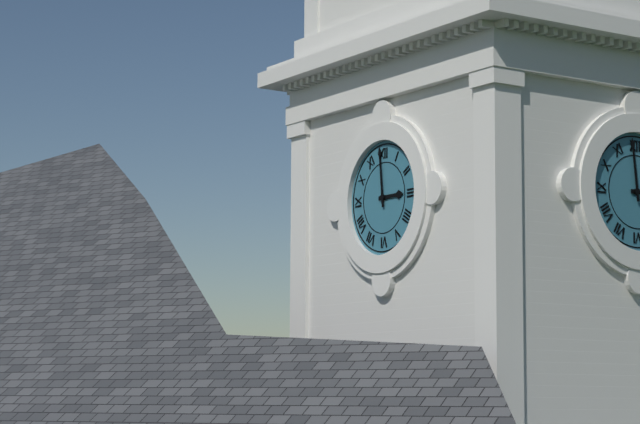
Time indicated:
**2:59**
